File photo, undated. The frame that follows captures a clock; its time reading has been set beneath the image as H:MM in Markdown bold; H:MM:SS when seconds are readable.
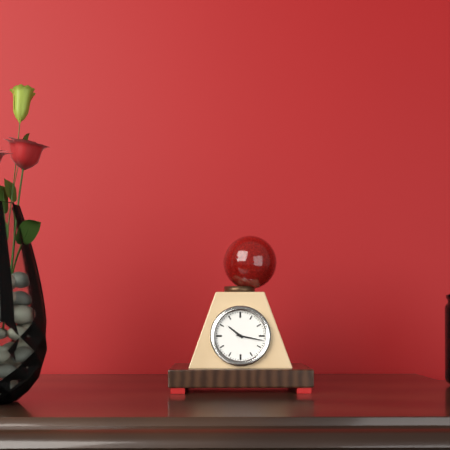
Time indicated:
**10:17**
